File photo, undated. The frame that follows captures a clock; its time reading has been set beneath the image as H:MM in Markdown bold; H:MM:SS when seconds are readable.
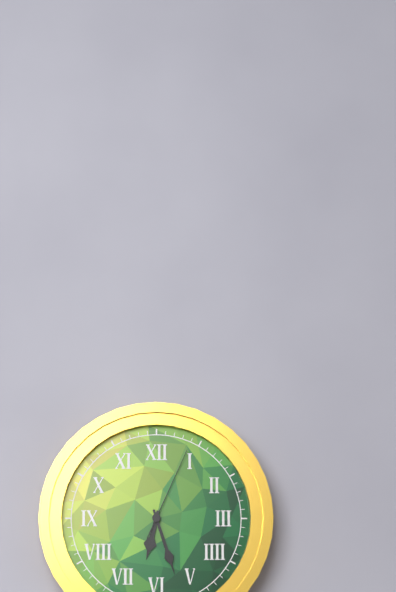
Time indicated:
**6:27:04**
